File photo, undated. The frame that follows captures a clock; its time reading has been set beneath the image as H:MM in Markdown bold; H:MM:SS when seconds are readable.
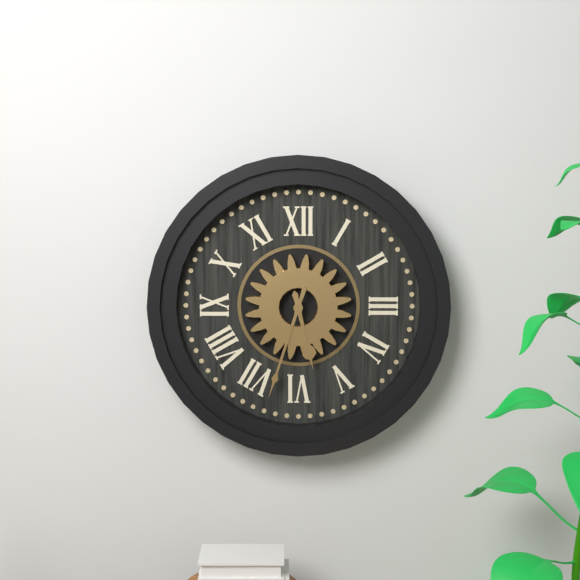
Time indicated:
**5:33**
